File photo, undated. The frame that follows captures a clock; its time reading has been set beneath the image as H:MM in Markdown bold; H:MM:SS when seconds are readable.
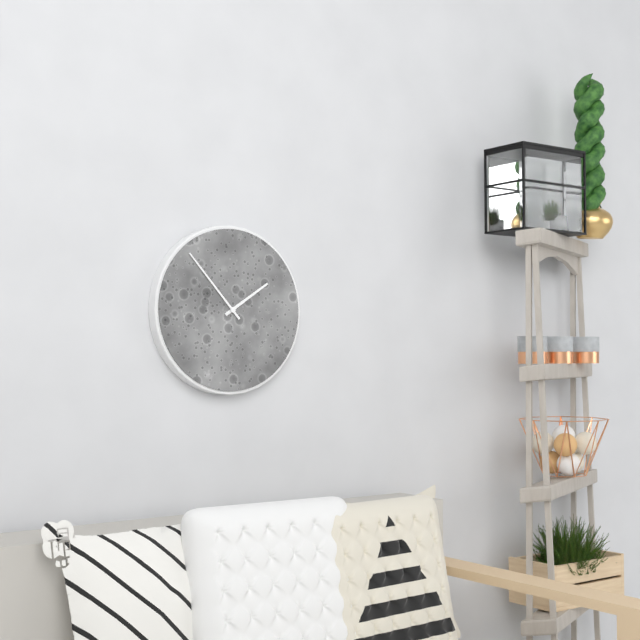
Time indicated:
**1:53**
